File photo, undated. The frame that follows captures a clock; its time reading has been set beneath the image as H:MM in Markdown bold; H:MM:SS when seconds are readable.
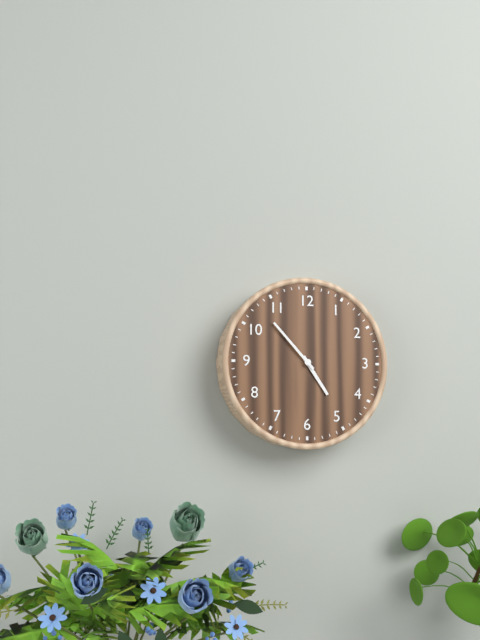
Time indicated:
**4:53**
